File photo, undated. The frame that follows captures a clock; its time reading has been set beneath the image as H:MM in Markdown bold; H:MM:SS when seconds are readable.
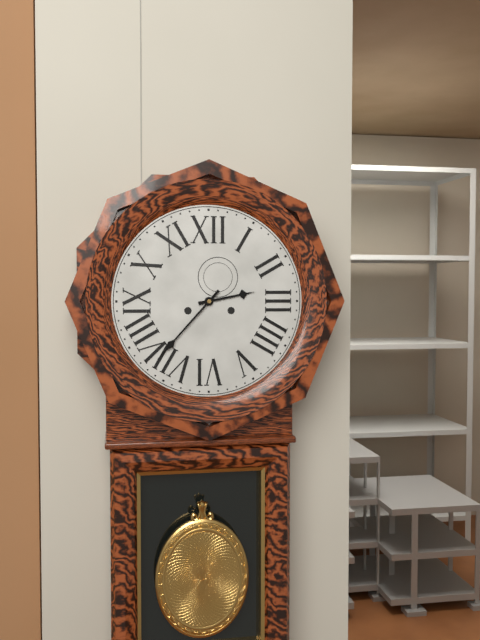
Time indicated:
**2:37**
